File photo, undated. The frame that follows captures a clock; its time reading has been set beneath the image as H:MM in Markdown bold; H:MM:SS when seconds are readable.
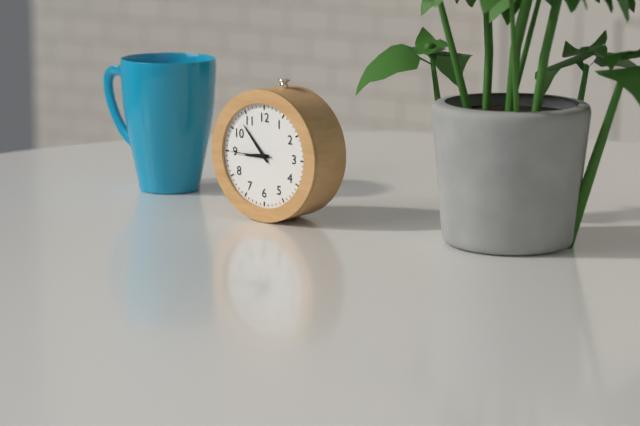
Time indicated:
**8:53**
